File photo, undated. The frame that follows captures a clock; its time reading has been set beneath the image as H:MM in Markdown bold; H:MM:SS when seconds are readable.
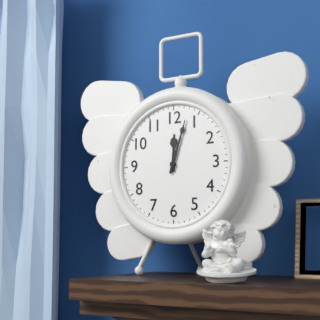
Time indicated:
**12:03**
